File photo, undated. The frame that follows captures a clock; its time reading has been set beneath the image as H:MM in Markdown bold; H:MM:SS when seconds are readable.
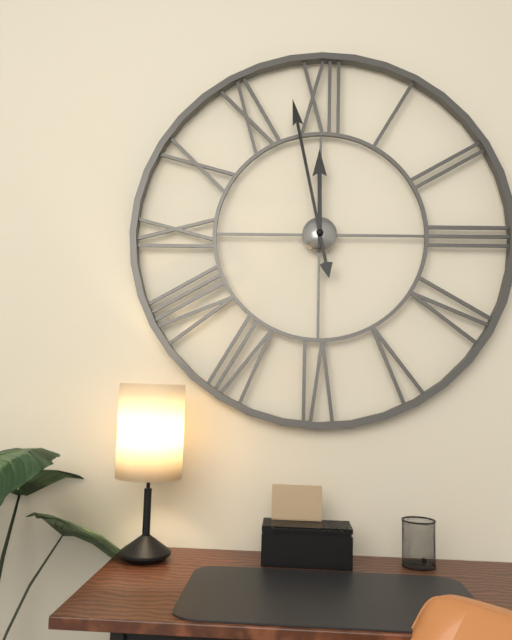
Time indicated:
**11:58**
